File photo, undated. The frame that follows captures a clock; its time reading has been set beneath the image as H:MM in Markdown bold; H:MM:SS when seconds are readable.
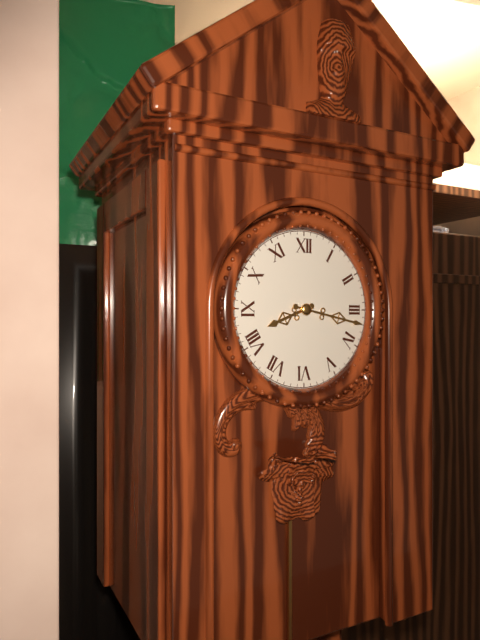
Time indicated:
**8:17**
